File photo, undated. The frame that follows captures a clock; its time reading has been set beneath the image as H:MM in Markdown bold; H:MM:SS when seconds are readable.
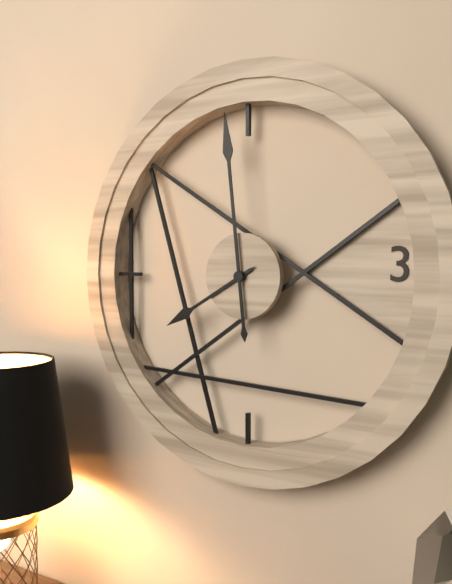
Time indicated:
**7:59**
